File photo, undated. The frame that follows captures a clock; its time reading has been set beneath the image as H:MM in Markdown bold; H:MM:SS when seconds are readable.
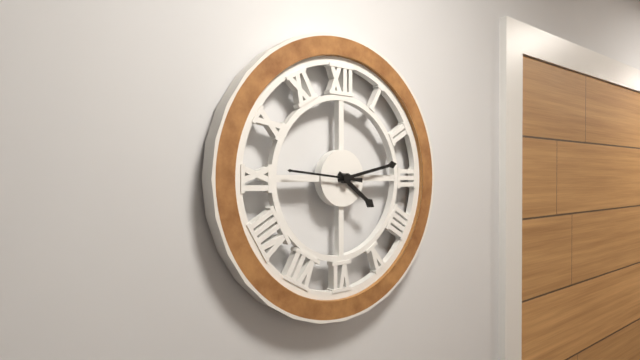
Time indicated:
**4:13:46**
